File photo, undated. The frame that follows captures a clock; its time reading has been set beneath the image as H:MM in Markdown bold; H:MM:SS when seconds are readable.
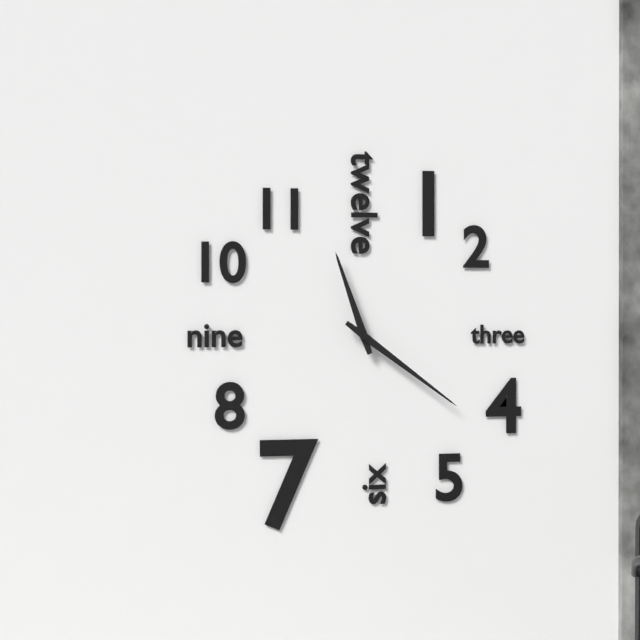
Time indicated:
**11:21**
